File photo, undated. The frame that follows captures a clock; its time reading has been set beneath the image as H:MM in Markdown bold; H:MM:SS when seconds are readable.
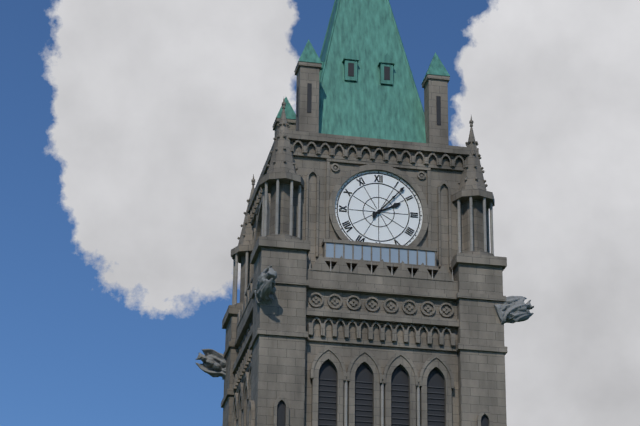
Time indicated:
**2:07**
